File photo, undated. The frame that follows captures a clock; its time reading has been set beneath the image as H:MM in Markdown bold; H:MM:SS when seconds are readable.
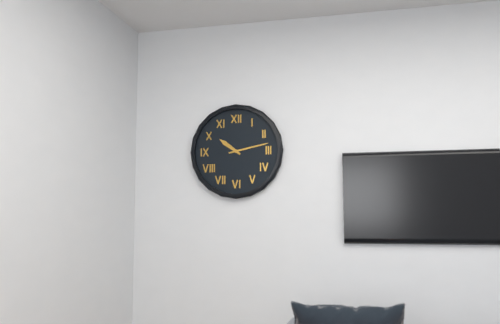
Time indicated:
**10:13**
